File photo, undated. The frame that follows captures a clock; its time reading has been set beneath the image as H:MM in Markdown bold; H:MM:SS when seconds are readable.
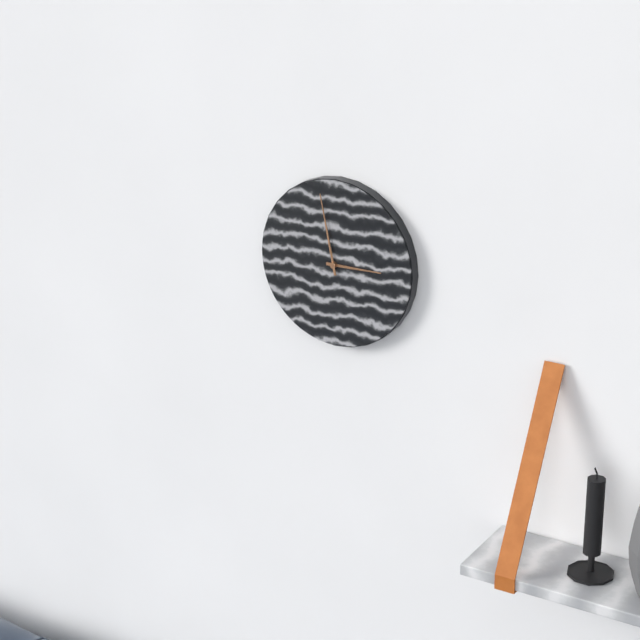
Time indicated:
**2:58**
